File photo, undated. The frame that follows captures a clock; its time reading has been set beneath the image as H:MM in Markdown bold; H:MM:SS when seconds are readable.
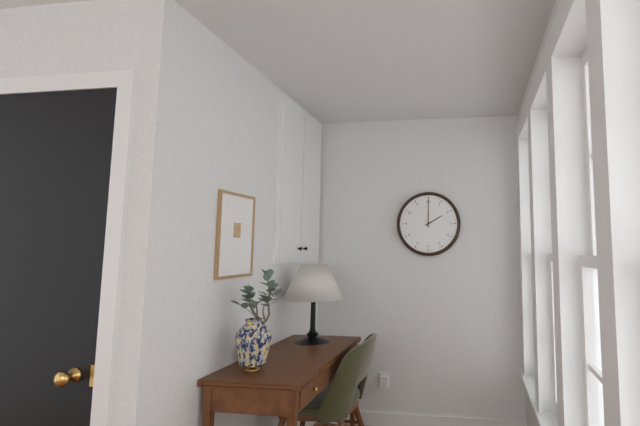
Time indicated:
**2:00**
